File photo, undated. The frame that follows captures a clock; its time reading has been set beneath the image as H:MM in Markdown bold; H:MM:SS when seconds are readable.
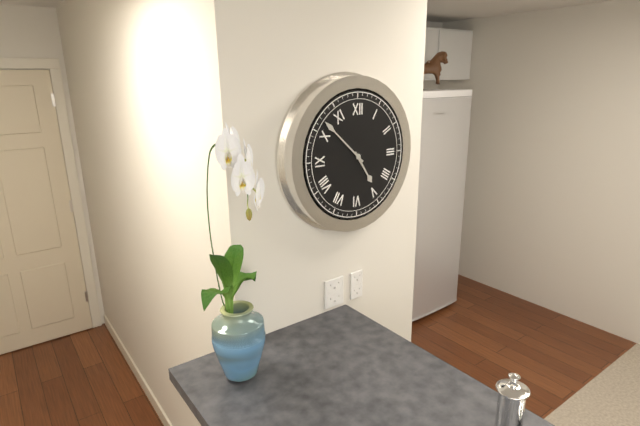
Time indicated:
**4:52**
